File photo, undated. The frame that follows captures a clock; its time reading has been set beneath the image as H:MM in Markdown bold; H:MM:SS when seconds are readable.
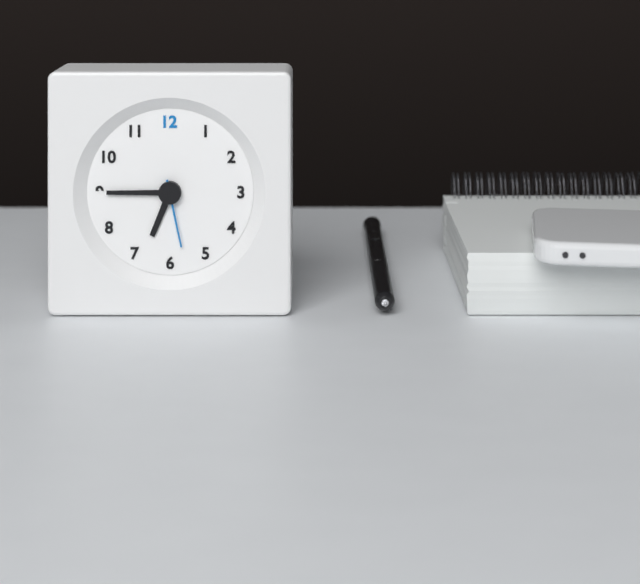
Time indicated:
**6:45:28**
